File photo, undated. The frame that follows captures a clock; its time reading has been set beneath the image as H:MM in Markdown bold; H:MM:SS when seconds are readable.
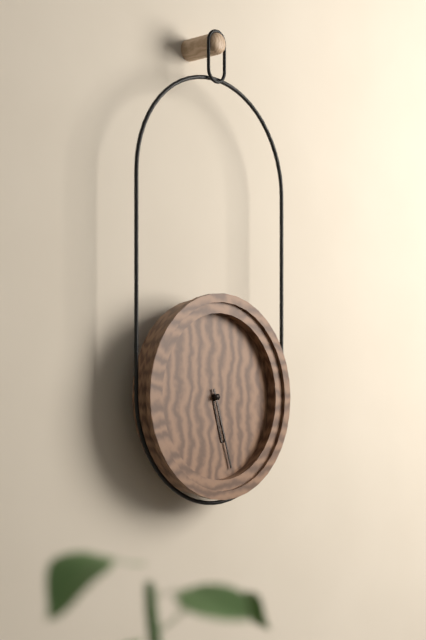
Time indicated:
**5:27**
